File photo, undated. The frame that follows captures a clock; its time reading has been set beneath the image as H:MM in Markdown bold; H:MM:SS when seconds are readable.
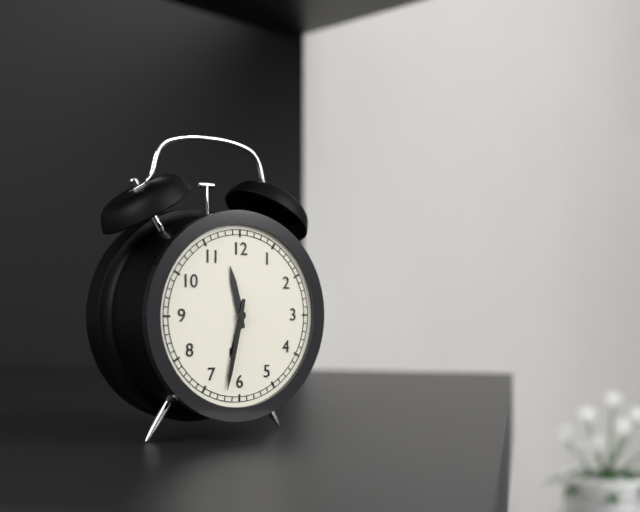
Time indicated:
**11:32**
